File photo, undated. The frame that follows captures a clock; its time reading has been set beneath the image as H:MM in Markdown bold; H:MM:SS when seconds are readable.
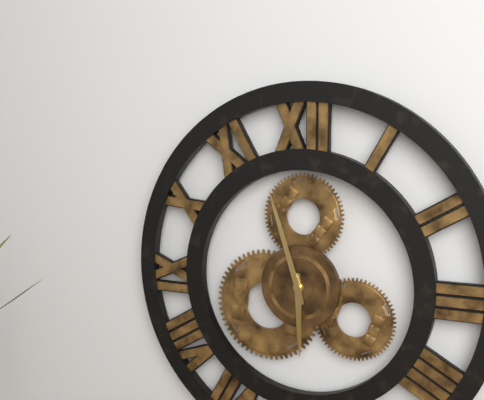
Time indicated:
**5:57**
